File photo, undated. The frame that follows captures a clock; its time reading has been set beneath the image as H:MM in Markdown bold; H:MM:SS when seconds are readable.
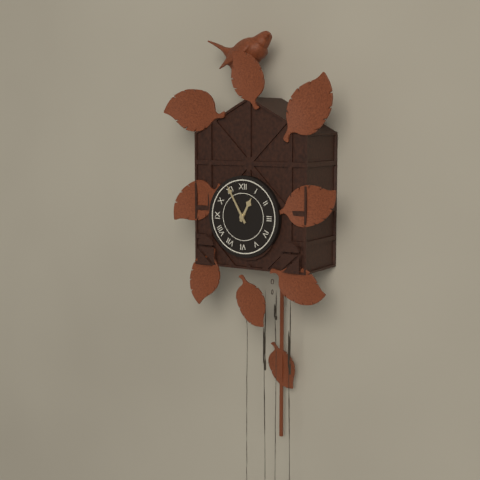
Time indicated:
**12:55**
